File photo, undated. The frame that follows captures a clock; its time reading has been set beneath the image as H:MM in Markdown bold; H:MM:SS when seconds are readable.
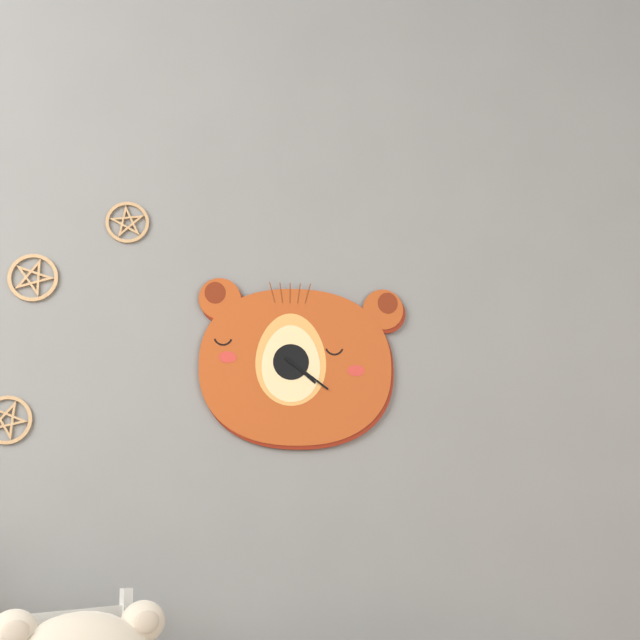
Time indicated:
**4:21**
